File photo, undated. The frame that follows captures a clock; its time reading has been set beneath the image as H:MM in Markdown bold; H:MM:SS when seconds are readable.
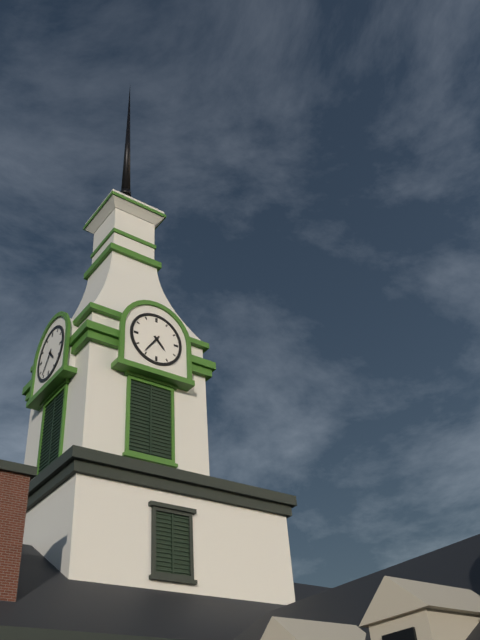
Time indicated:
**4:36**
